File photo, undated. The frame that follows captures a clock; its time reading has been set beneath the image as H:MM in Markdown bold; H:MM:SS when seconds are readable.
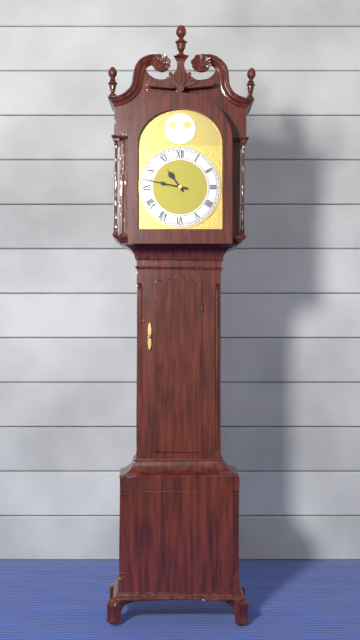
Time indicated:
**10:47**
